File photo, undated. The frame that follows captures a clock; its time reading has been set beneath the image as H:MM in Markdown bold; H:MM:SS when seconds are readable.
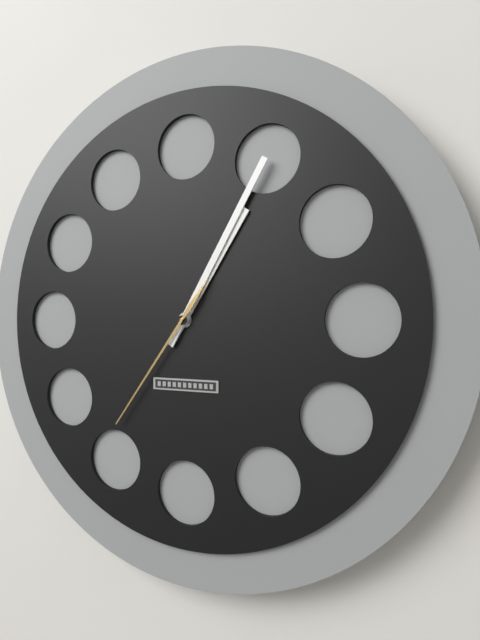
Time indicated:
**1:05:36**
